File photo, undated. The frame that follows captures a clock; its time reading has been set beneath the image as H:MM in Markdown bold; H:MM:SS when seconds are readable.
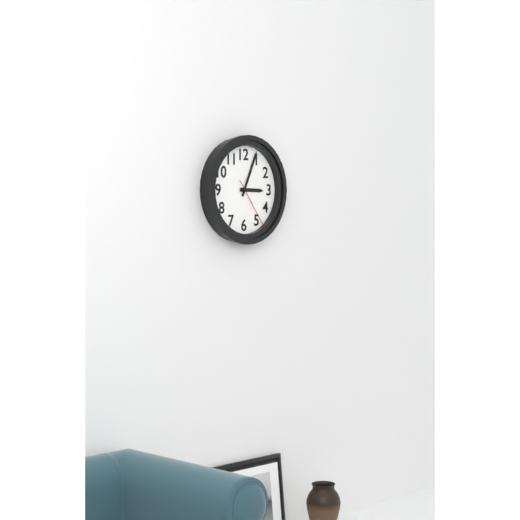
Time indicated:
**3:04:24**
